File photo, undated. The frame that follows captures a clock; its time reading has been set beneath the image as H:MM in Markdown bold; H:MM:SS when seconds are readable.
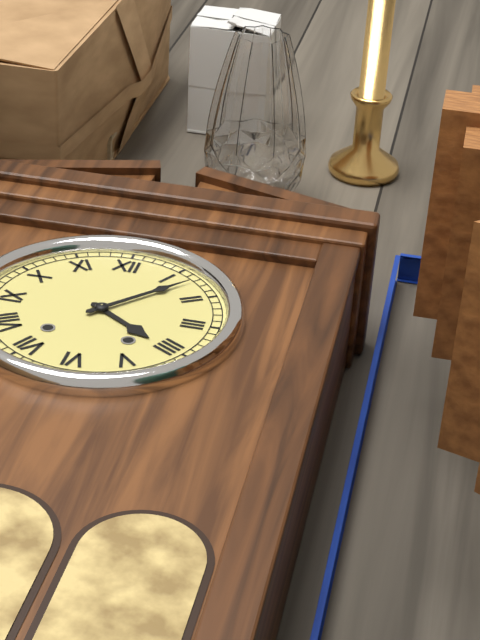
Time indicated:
**4:07**
